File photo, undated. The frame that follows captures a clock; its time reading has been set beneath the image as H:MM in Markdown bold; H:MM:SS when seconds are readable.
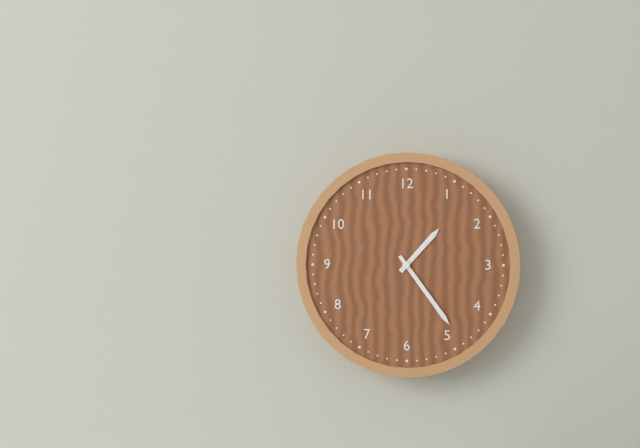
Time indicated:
**1:24**
